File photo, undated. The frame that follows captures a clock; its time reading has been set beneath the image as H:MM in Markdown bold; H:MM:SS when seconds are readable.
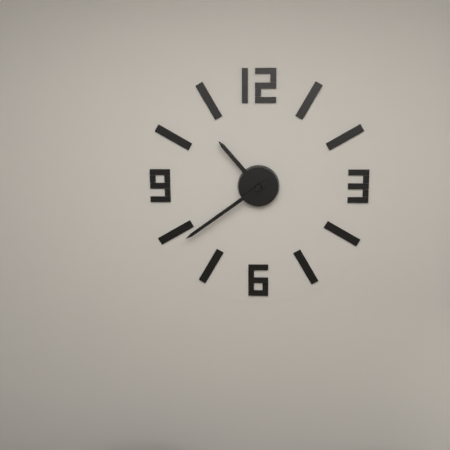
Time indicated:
**10:39**
